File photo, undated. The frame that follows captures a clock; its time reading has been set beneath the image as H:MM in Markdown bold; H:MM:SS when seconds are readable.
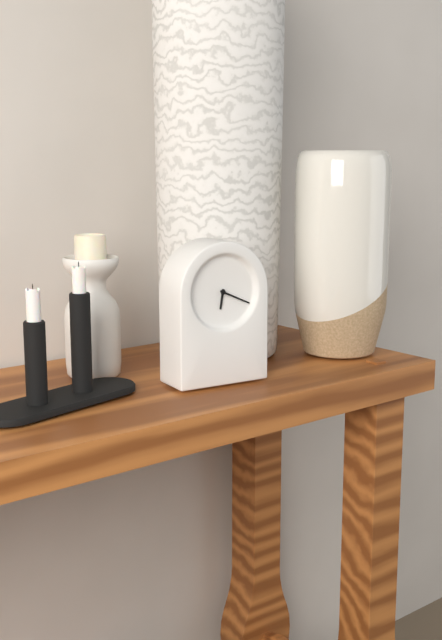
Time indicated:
**6:19**
